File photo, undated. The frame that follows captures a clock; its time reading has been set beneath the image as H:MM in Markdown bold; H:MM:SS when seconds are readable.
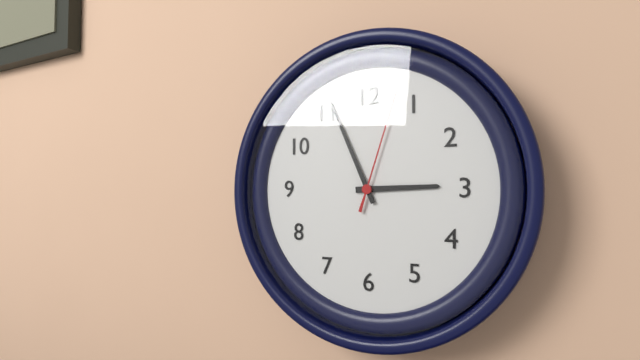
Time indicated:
**2:56:03**
